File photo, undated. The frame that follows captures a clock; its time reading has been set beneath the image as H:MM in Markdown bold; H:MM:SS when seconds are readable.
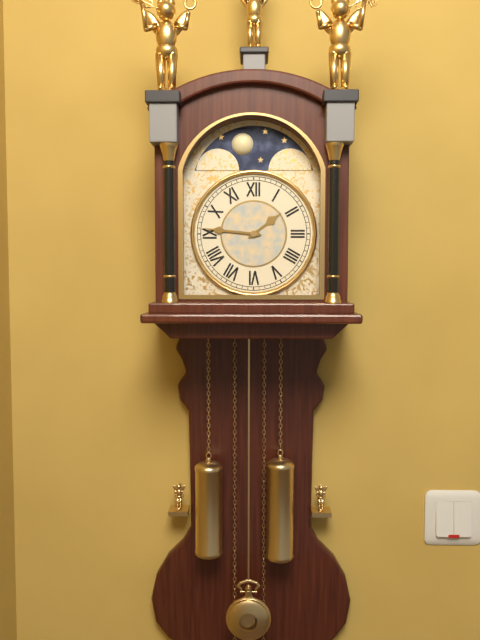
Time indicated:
**1:46**
